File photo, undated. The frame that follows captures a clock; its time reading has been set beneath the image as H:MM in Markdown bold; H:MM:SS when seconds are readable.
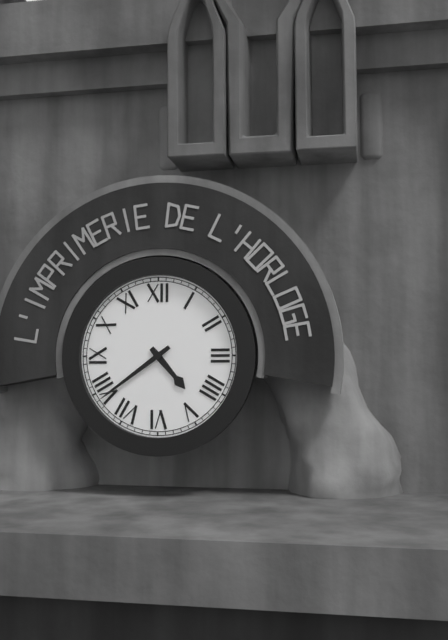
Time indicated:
**4:39**
